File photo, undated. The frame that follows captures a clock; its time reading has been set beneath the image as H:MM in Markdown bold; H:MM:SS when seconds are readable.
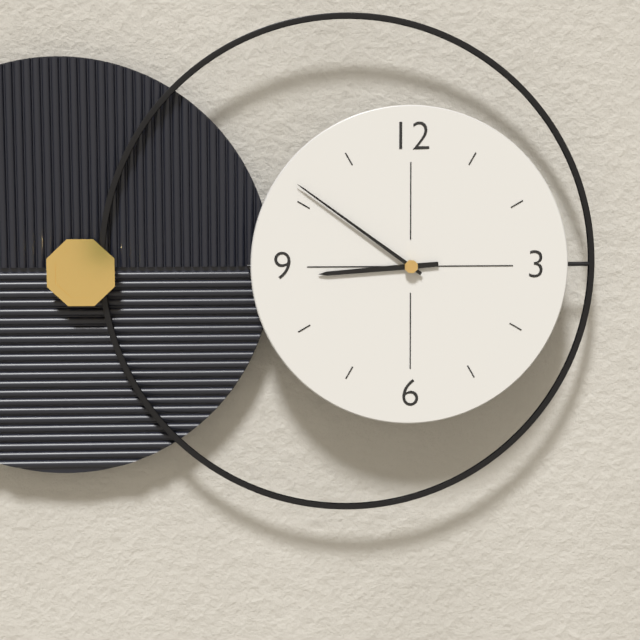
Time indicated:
**8:51**
